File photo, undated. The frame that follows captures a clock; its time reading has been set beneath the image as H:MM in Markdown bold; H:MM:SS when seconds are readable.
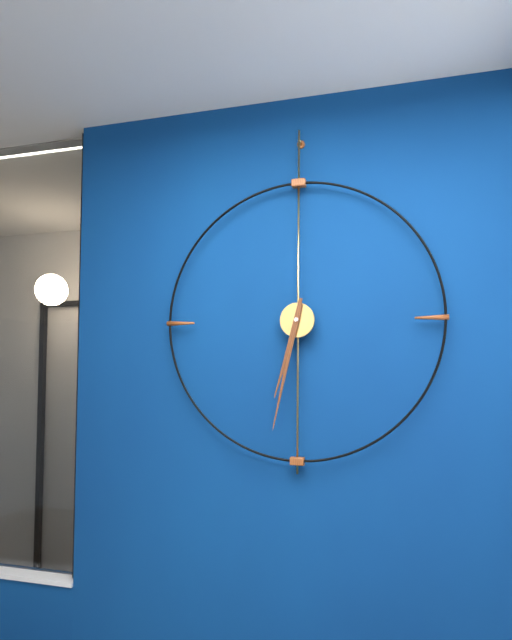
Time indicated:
**6:32**
